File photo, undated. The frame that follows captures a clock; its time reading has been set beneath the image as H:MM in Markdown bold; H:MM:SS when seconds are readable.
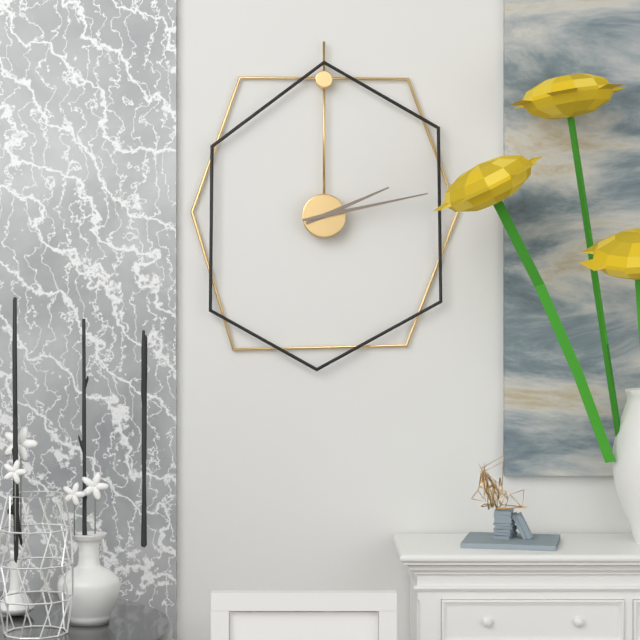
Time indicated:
**2:13**
